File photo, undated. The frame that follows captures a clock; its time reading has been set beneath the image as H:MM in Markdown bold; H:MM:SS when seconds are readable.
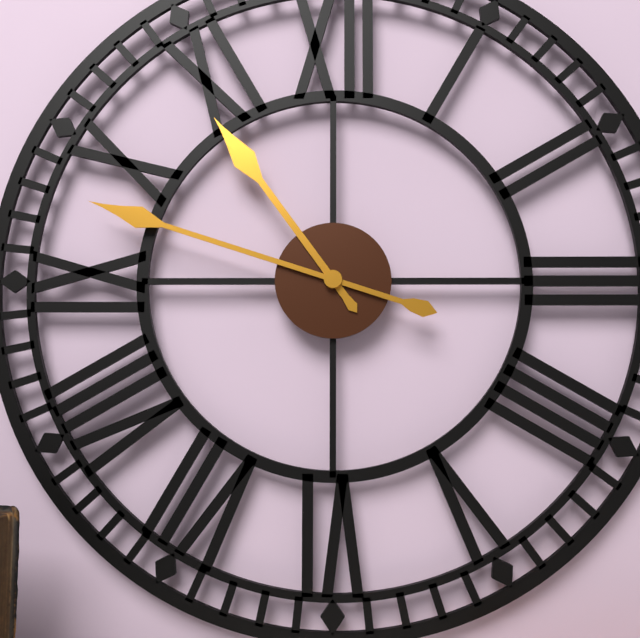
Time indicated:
**10:48**
